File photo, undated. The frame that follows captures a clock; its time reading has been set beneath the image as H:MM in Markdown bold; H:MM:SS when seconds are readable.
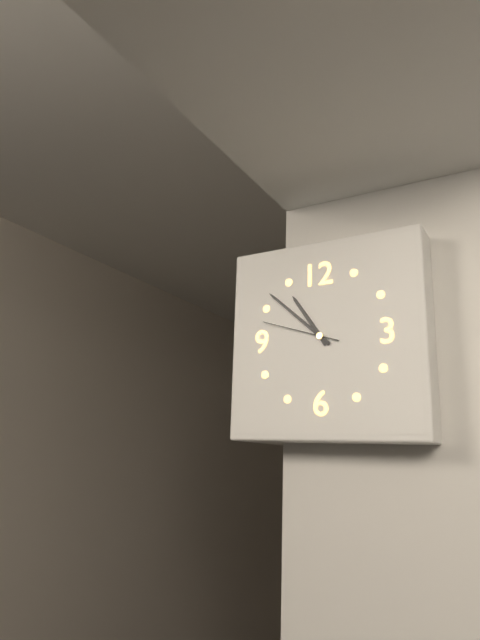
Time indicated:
**10:52:48**
